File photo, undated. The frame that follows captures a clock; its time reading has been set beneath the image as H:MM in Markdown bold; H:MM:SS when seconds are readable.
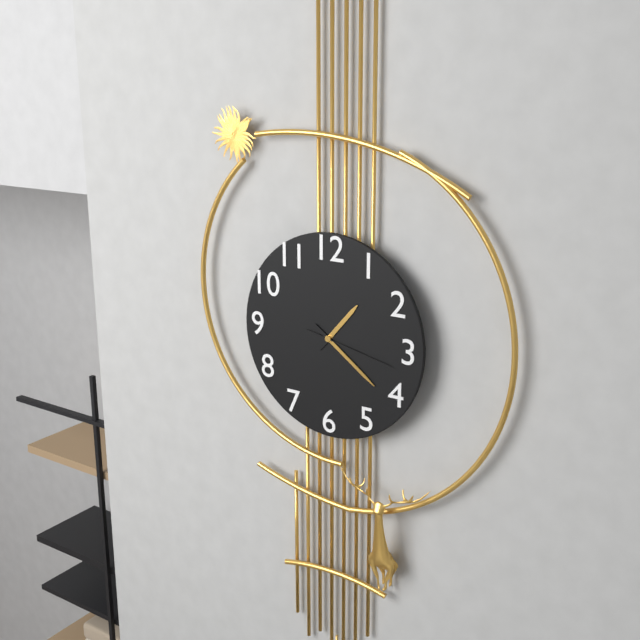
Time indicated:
**1:21:17**
